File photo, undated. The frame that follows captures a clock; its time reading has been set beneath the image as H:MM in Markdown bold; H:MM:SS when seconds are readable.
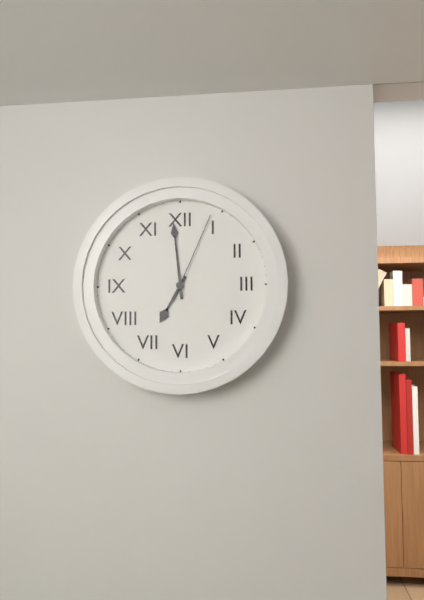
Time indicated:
**6:59:04**
